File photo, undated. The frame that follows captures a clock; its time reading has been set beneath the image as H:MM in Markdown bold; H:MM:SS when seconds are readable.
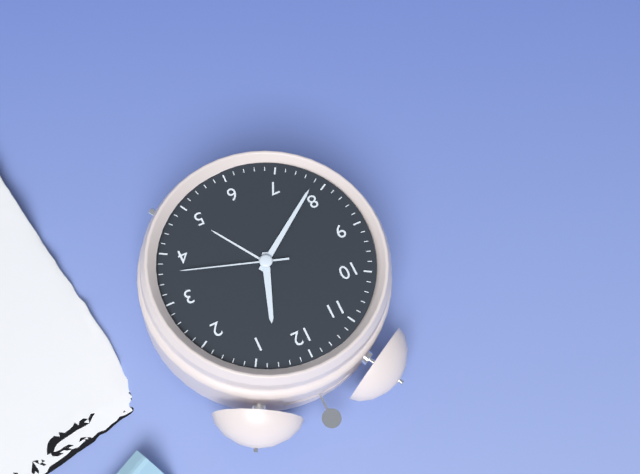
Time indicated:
**12:39:18**
